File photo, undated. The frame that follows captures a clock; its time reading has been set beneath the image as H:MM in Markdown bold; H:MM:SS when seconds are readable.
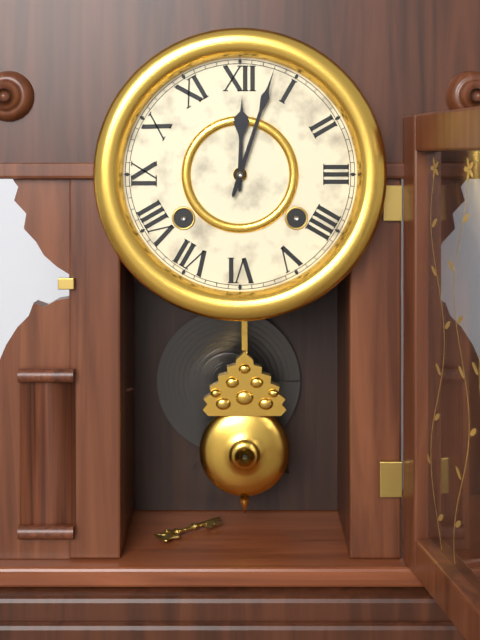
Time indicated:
**12:03**
